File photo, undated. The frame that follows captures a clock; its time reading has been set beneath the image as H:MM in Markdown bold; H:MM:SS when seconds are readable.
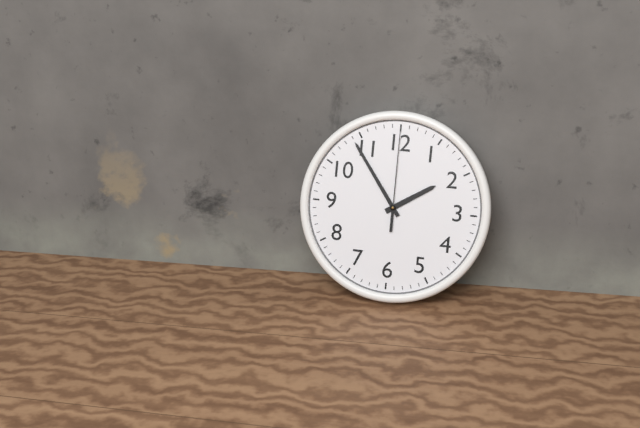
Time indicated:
**1:54:00**
